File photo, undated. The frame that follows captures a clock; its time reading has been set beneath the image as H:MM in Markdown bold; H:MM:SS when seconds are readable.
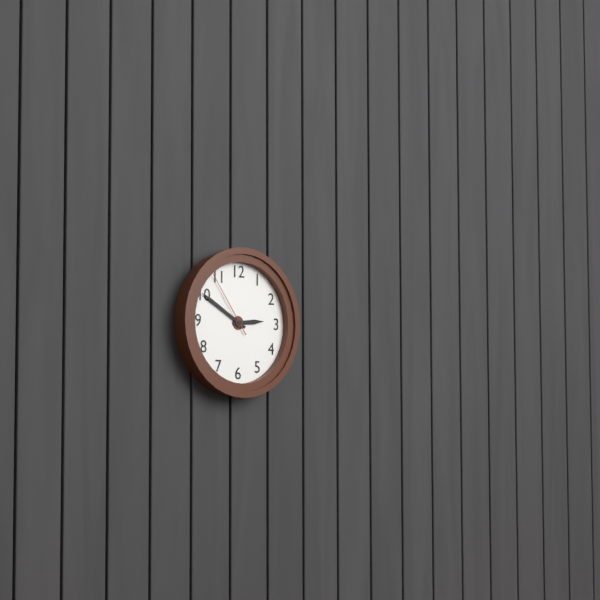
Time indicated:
**2:50:54**
